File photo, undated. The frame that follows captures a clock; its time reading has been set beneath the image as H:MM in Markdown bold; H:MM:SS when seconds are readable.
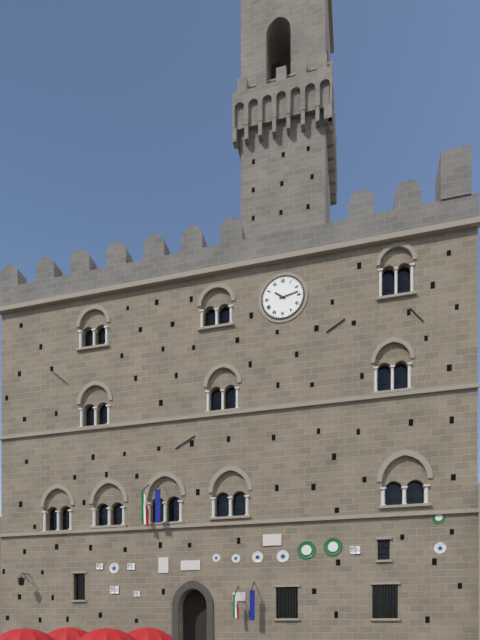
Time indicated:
**10:13**
